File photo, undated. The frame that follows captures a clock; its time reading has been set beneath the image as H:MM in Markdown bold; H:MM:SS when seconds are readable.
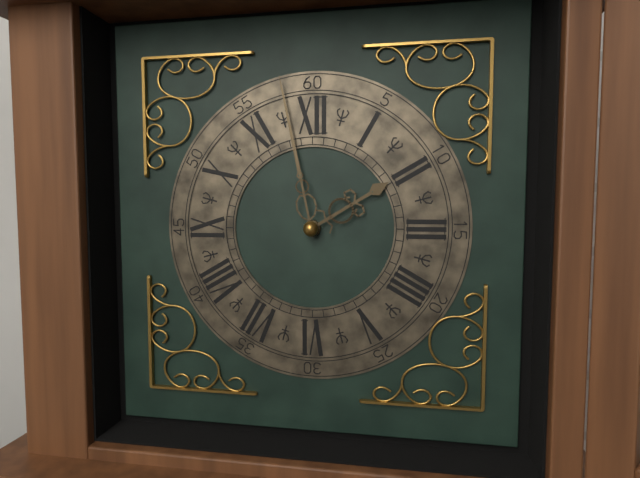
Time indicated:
**1:58**
